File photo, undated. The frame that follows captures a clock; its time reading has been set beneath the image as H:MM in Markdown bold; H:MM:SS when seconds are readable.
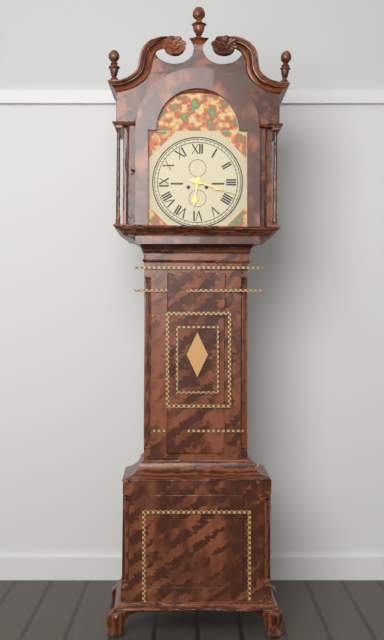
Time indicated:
**6:18**
